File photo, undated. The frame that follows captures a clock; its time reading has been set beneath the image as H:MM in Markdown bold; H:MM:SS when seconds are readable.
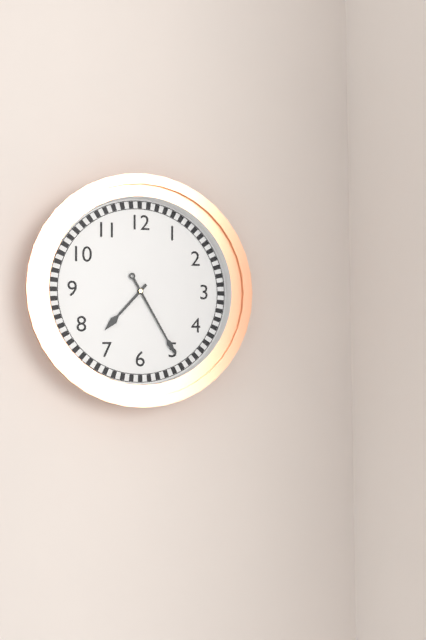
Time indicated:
**7:25**
